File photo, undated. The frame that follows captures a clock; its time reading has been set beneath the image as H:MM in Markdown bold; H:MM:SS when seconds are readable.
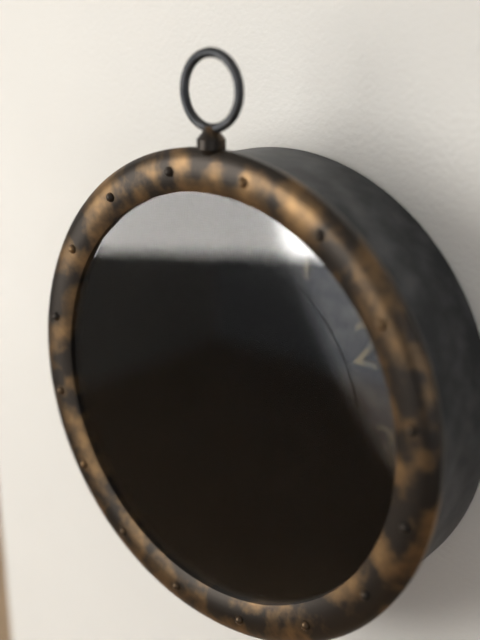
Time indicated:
**11:31**
